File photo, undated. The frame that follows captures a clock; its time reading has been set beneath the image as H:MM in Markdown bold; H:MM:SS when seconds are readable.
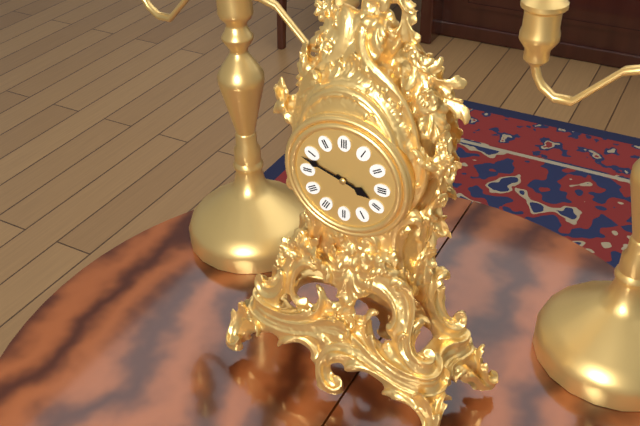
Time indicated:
**3:48**
